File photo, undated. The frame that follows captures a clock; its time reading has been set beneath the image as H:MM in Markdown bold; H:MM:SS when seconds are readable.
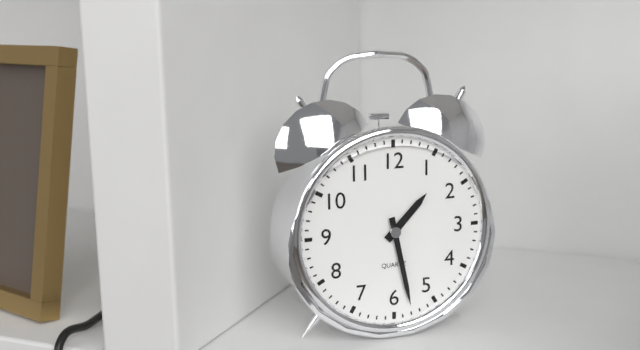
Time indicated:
**1:28**
